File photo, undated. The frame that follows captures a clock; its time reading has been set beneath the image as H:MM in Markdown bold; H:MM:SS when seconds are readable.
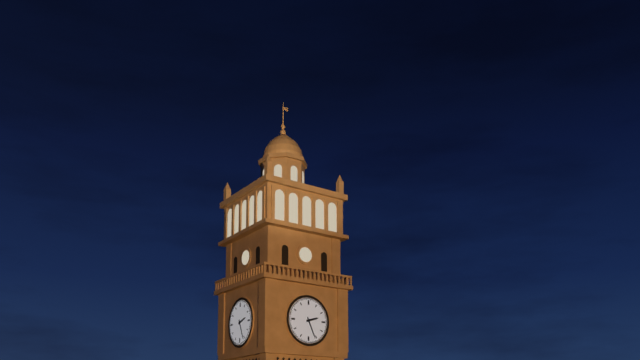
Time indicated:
**2:26**
